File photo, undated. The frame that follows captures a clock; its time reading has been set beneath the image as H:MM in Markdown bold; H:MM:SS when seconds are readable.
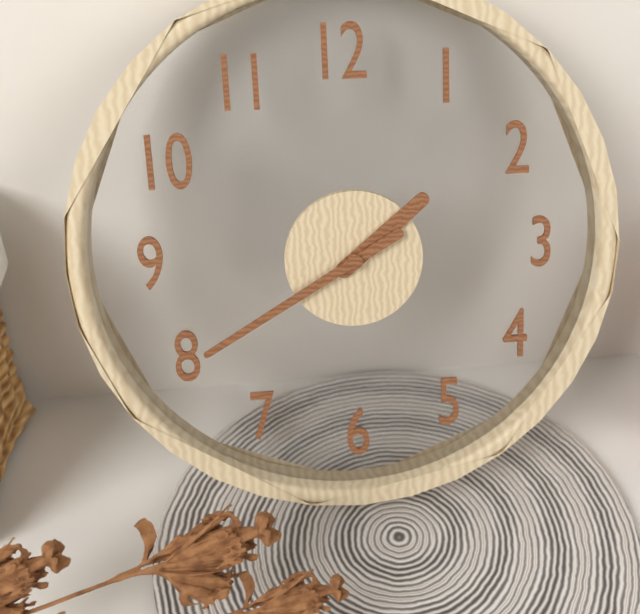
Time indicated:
**1:40**
